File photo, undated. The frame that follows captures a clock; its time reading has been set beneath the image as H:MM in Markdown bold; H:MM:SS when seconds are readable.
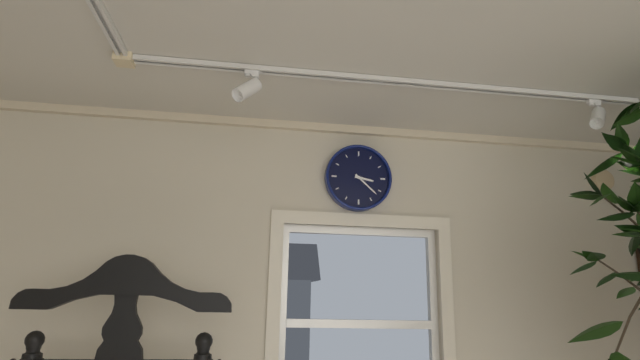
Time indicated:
**3:22**
